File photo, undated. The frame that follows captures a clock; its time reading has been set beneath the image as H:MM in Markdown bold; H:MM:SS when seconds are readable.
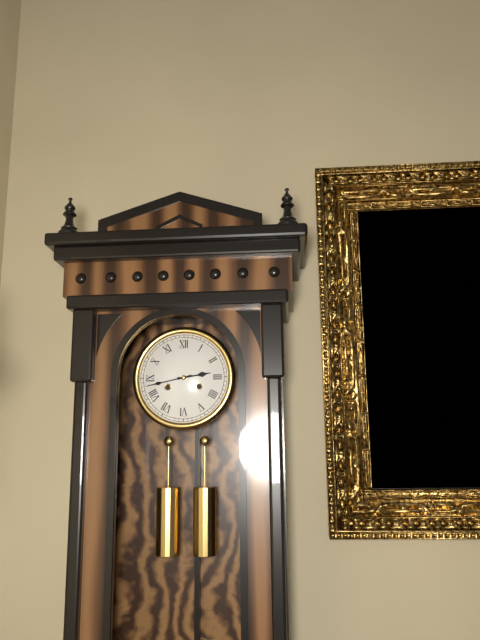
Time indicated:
**2:43**
